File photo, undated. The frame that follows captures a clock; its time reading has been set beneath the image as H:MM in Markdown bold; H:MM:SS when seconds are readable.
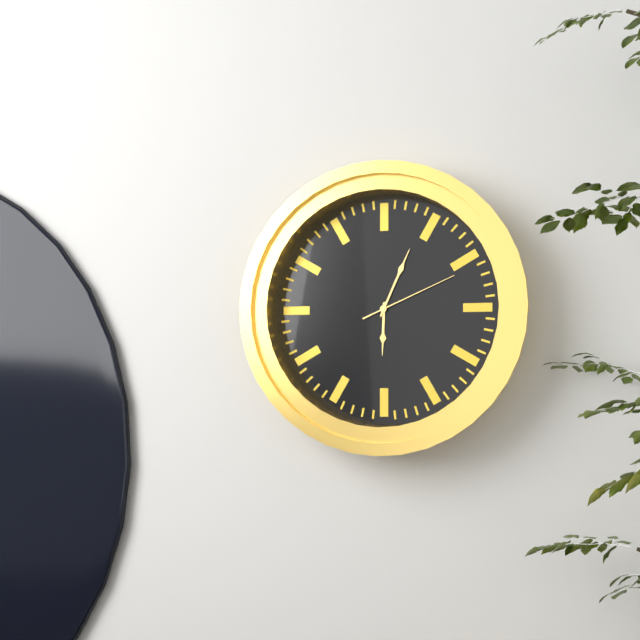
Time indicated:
**6:04:11**
